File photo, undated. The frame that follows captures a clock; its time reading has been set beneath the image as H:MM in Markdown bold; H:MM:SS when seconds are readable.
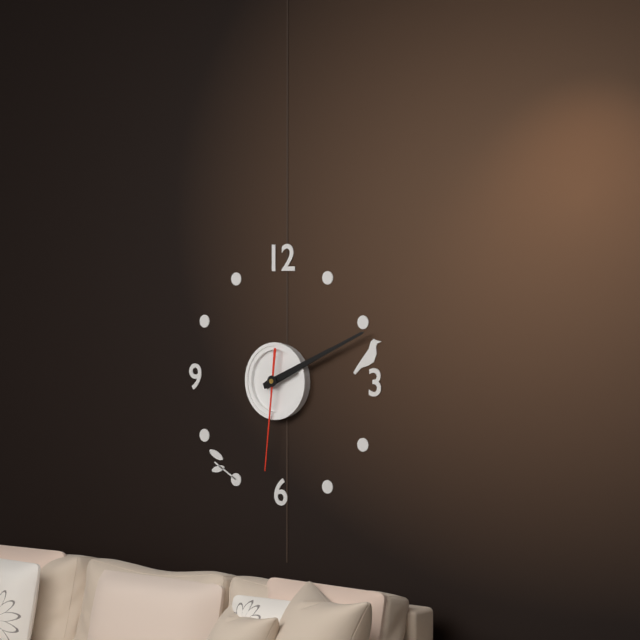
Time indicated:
**2:11:31**
